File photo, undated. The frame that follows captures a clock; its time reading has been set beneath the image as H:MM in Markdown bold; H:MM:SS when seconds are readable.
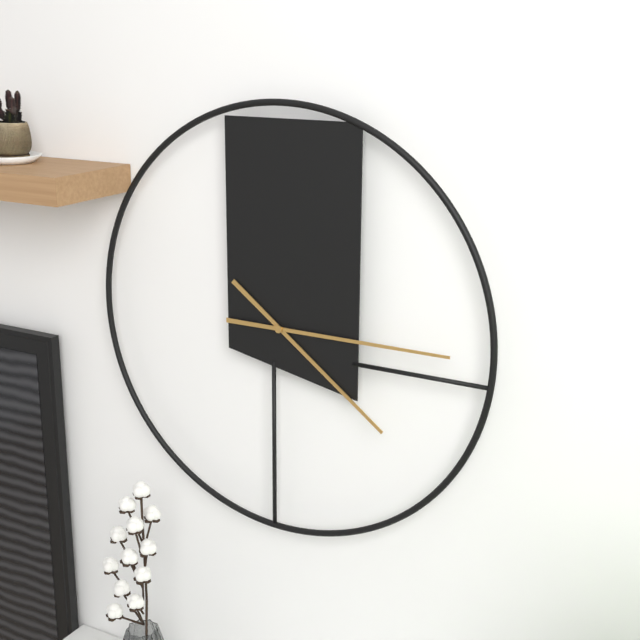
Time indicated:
**4:15**
